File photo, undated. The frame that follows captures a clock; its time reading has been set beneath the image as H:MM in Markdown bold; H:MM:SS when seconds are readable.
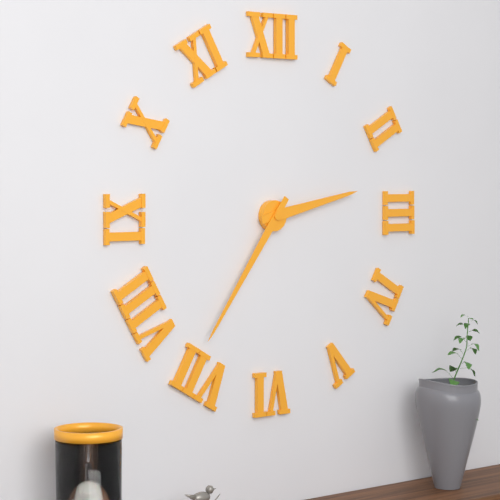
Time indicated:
**2:36**
